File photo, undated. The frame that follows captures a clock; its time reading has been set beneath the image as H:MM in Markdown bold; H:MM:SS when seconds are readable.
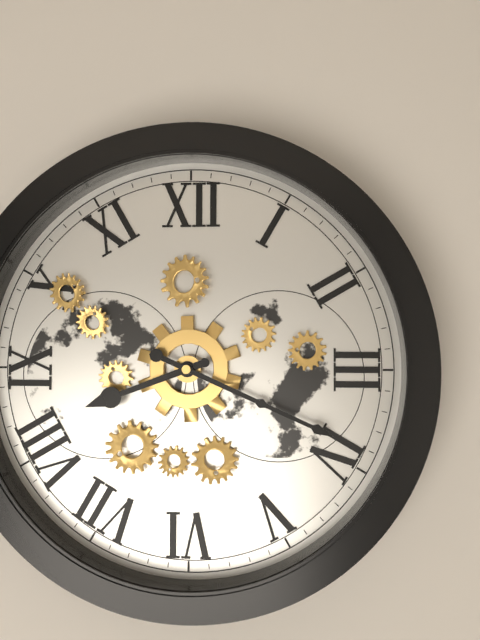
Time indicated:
**8:19**
